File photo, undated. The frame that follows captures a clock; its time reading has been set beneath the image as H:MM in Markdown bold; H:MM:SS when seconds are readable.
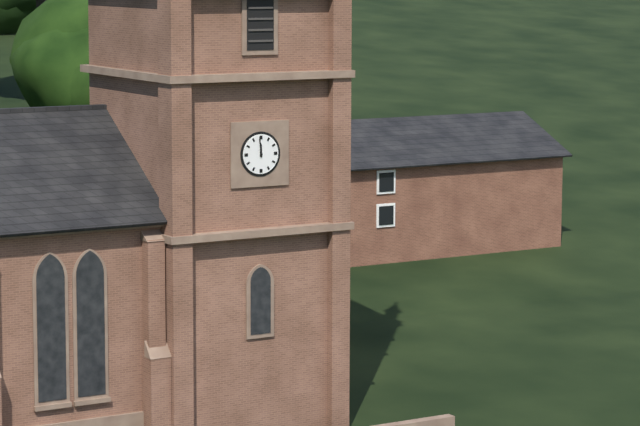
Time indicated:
**11:59**
